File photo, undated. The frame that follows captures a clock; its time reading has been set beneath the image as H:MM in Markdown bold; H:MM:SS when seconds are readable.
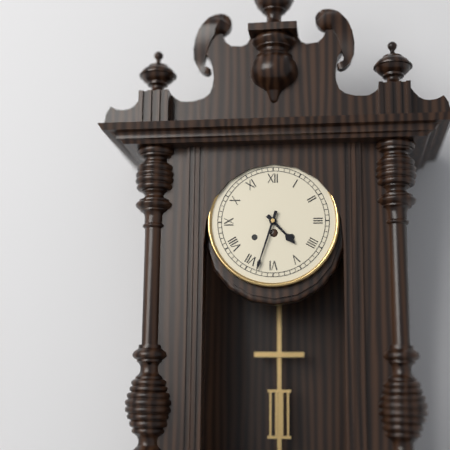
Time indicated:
**4:33**
